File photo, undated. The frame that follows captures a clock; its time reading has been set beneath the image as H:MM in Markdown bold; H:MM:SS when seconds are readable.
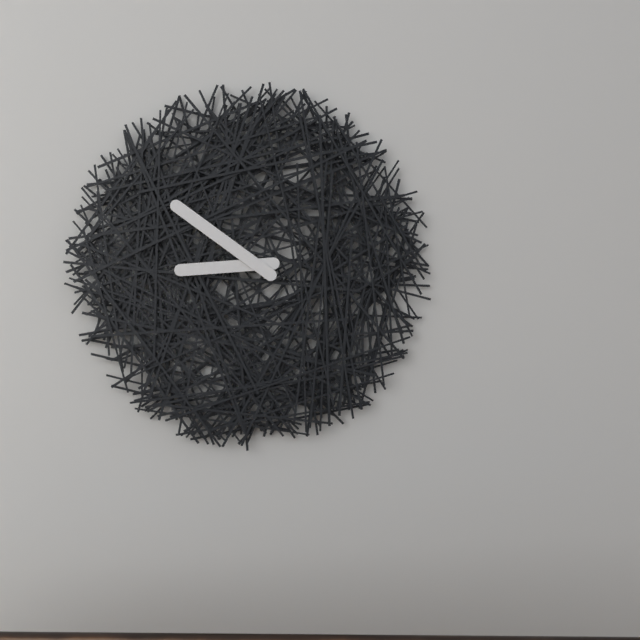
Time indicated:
**8:51**
